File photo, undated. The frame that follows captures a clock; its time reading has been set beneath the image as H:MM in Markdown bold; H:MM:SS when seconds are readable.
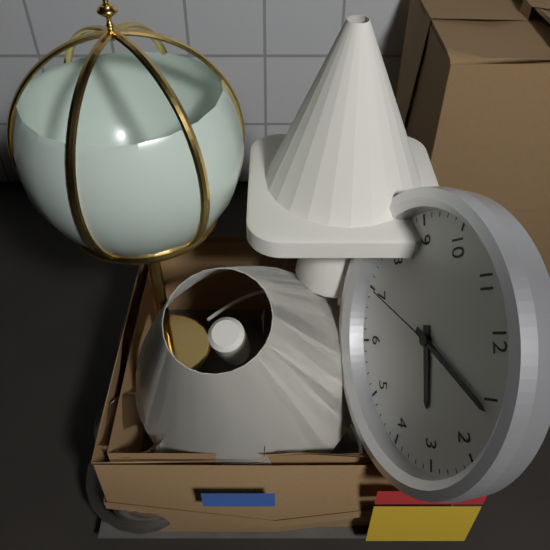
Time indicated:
**3:06:35**
